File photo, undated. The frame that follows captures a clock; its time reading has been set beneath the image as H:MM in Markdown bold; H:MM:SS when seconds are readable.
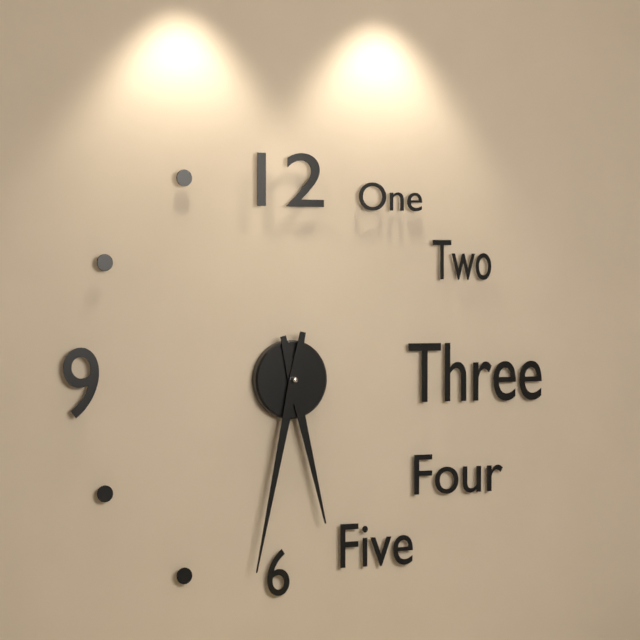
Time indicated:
**5:32**
